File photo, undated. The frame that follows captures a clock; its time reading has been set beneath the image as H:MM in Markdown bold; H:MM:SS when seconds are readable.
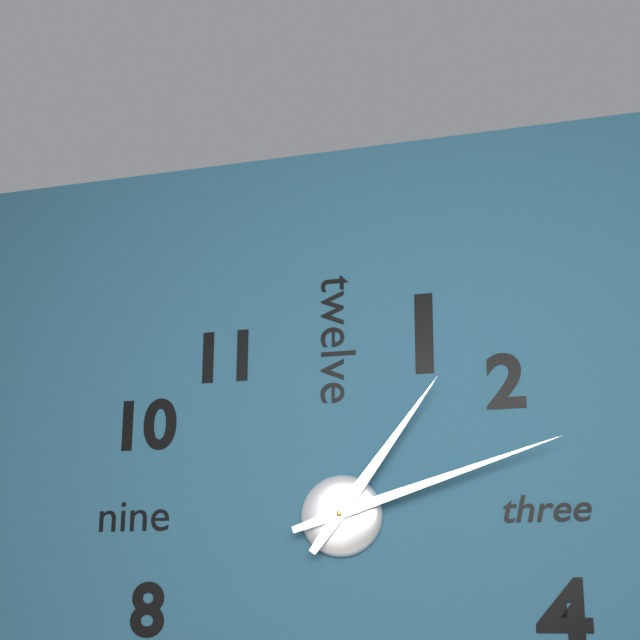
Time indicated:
**1:12**
